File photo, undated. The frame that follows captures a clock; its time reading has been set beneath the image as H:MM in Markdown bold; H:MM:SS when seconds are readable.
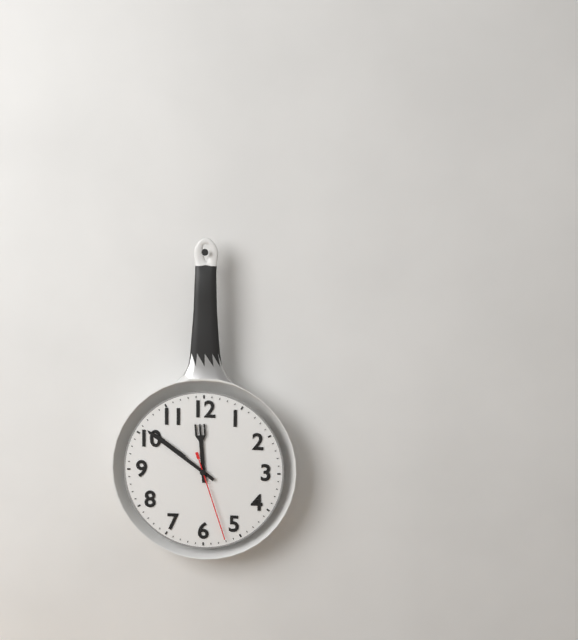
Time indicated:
**11:51:27**
